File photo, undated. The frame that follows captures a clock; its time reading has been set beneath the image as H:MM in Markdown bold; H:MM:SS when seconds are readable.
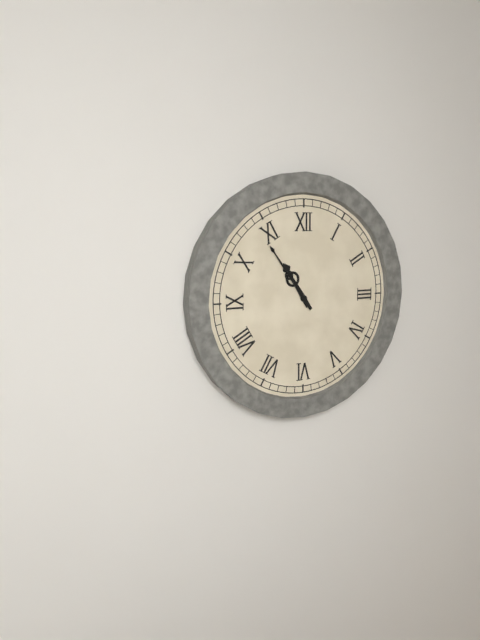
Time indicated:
**10:54**
